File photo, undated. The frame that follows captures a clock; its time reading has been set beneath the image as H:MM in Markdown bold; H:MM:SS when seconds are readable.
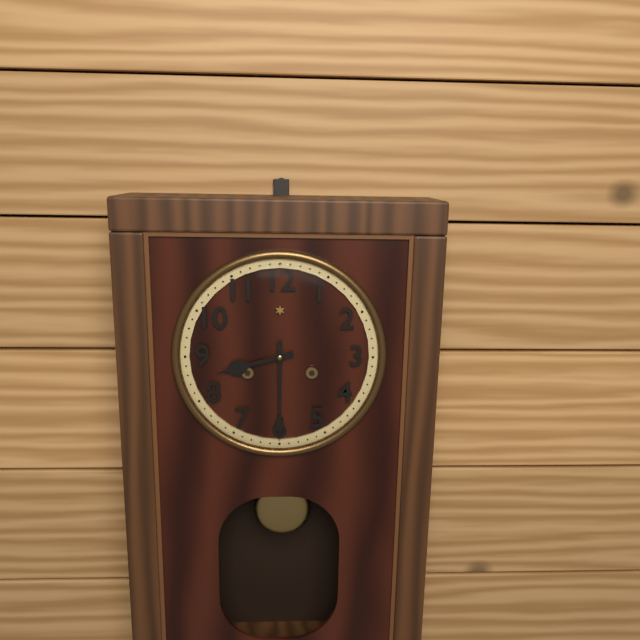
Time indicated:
**8:30**
